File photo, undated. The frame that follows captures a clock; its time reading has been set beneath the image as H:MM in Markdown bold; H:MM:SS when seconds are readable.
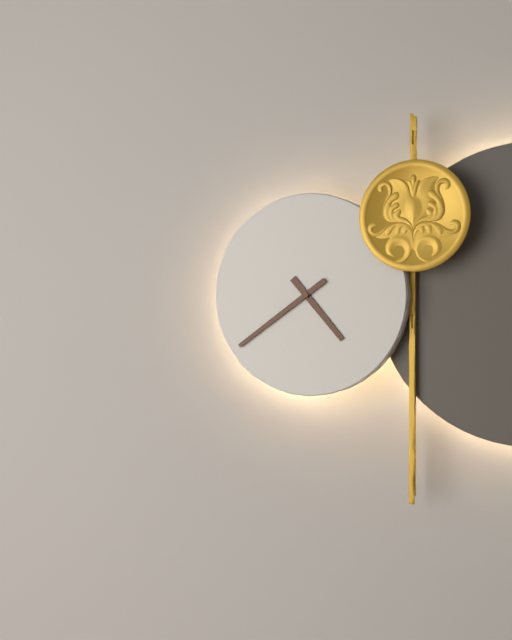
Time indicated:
**4:39**
